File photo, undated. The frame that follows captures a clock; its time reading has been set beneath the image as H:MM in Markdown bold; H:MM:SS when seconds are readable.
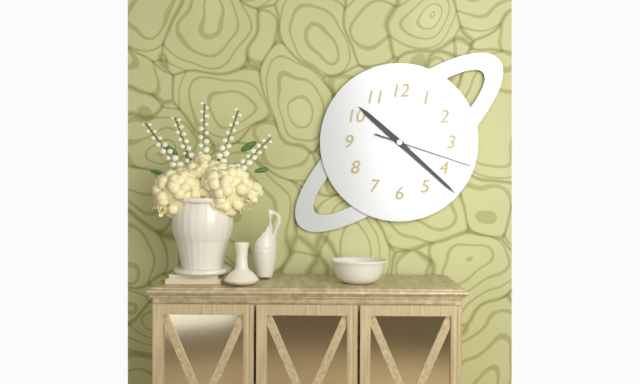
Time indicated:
**10:22:18**
